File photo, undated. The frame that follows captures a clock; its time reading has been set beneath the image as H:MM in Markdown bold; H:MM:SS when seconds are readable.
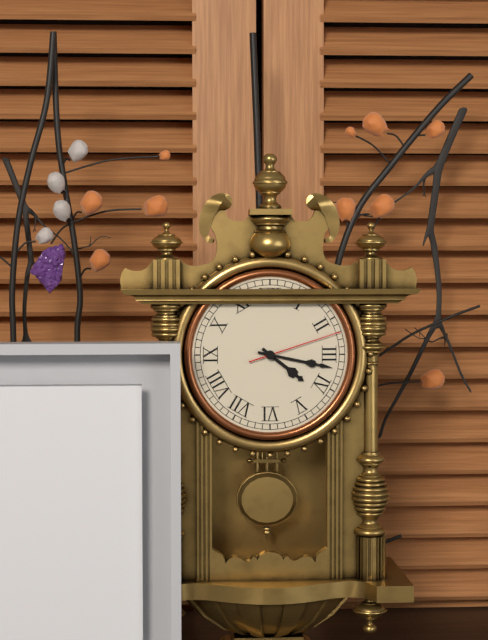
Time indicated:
**4:17:12**
